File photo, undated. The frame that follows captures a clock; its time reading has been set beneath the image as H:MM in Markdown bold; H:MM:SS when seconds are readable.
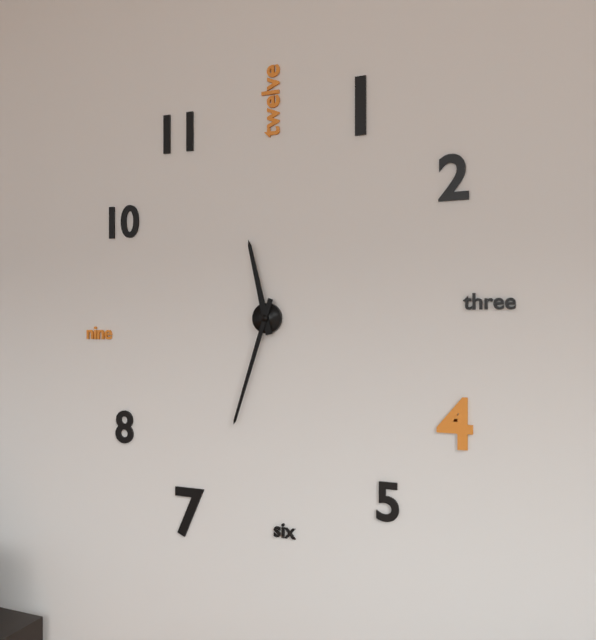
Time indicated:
**11:33**
